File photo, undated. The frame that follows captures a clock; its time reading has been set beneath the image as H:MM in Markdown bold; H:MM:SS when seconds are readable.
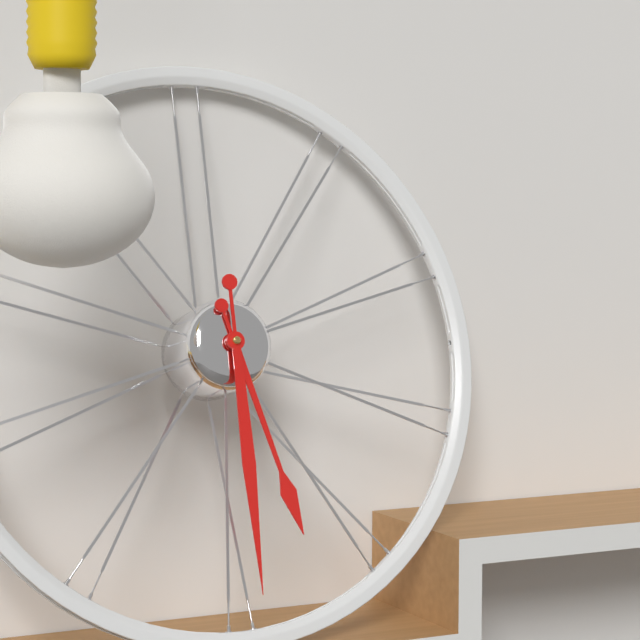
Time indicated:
**5:30**
